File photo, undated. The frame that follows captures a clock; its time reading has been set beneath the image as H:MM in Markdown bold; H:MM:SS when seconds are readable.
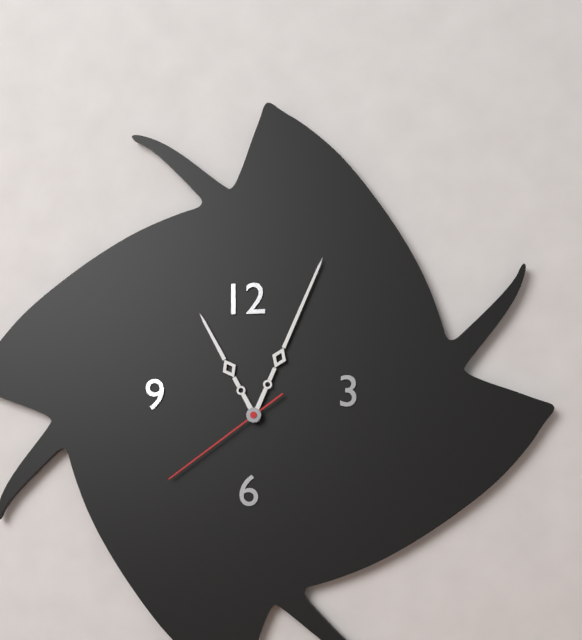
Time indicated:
**11:04:39**
